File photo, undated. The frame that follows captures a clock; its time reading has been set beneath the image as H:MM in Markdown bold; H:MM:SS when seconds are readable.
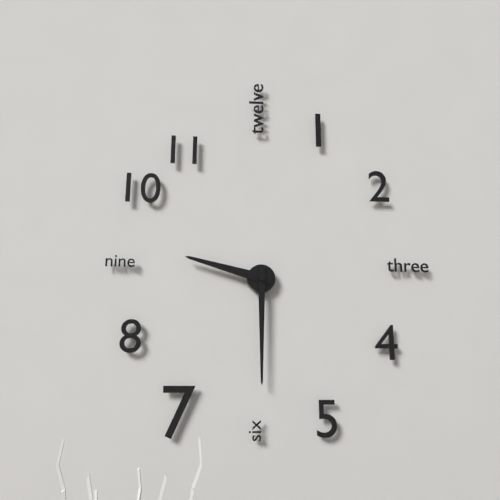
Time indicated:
**9:30**
